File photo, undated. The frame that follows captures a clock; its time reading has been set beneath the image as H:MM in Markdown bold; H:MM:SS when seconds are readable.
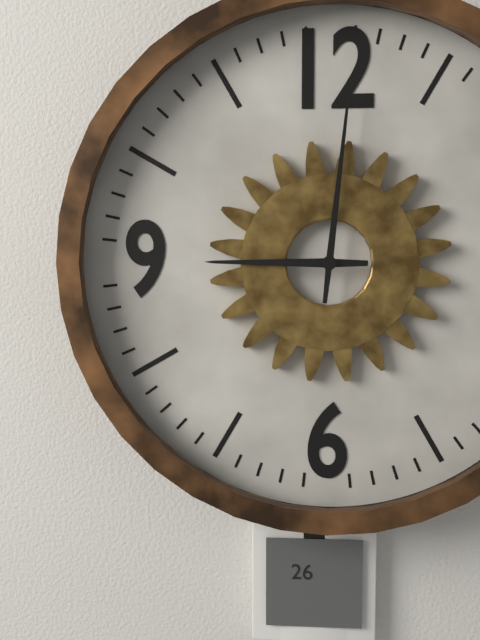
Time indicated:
**9:01**
